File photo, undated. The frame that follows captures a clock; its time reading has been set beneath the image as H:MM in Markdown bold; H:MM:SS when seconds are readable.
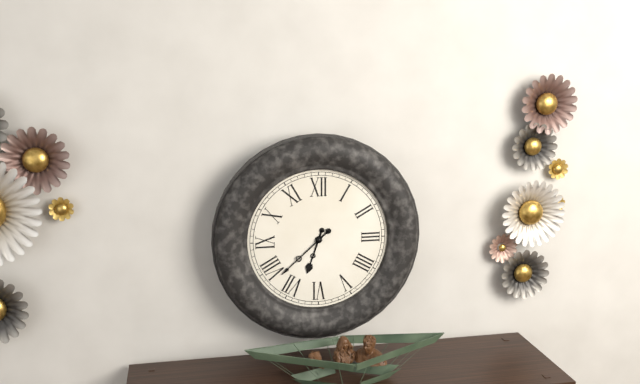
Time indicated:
**6:38**
